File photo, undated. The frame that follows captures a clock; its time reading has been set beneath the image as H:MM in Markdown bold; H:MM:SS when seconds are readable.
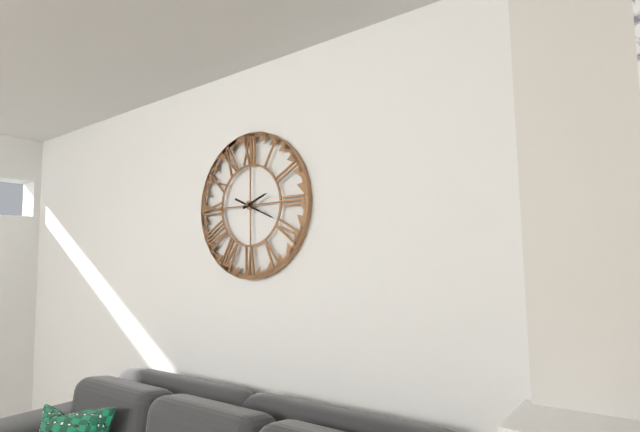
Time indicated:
**2:19**
